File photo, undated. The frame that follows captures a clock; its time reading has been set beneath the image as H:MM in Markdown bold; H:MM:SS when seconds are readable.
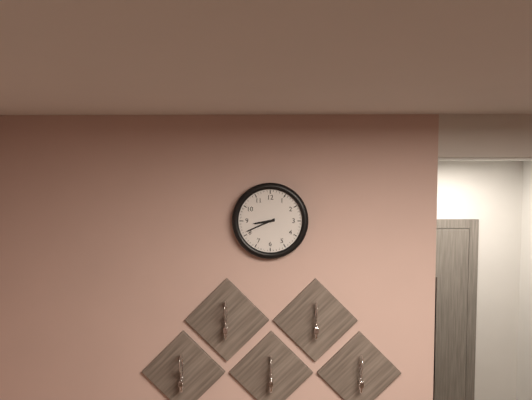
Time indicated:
**8:41**
